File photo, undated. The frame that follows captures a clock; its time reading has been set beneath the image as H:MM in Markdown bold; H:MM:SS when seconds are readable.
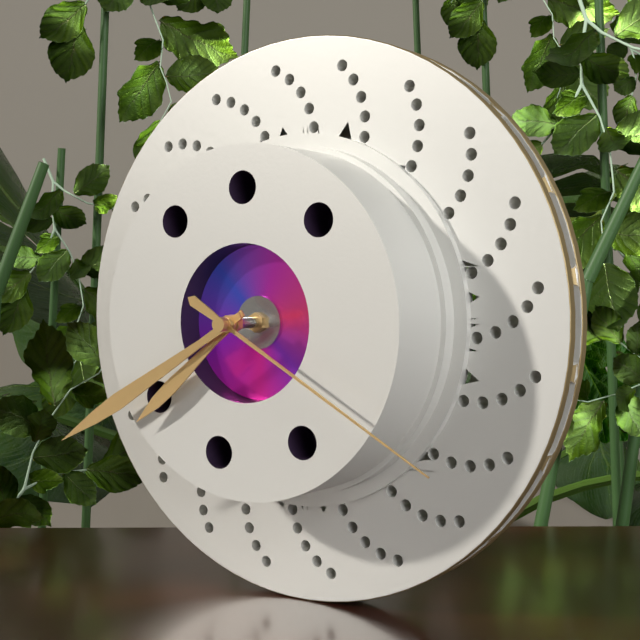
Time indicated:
**7:40:20**
